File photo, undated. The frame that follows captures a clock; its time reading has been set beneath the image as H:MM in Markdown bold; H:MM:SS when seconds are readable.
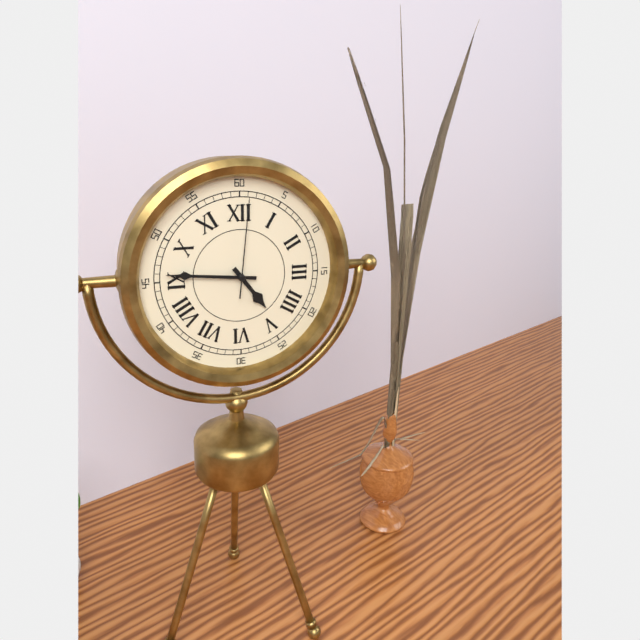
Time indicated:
**4:46:01**
